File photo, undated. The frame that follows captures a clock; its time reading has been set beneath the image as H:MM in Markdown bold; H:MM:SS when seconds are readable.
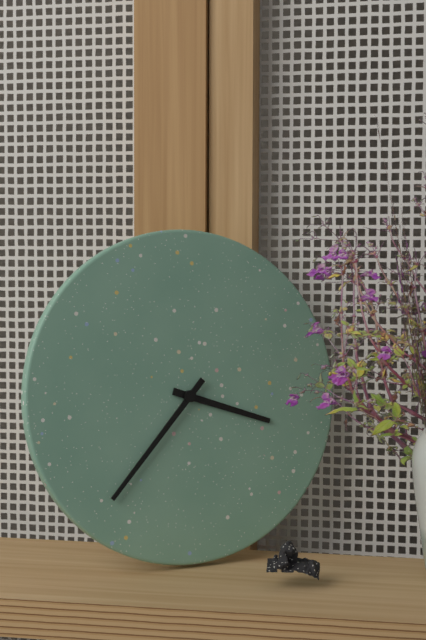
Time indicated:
**3:37**
